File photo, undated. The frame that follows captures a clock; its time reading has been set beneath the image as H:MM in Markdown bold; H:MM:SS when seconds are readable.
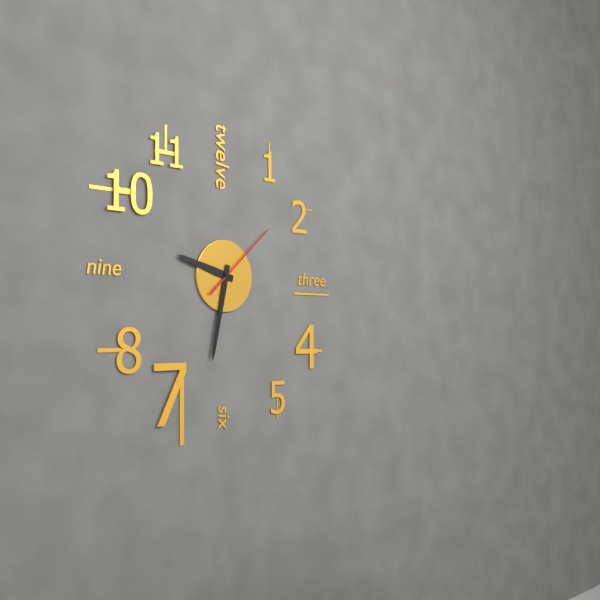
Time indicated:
**9:32:08**
